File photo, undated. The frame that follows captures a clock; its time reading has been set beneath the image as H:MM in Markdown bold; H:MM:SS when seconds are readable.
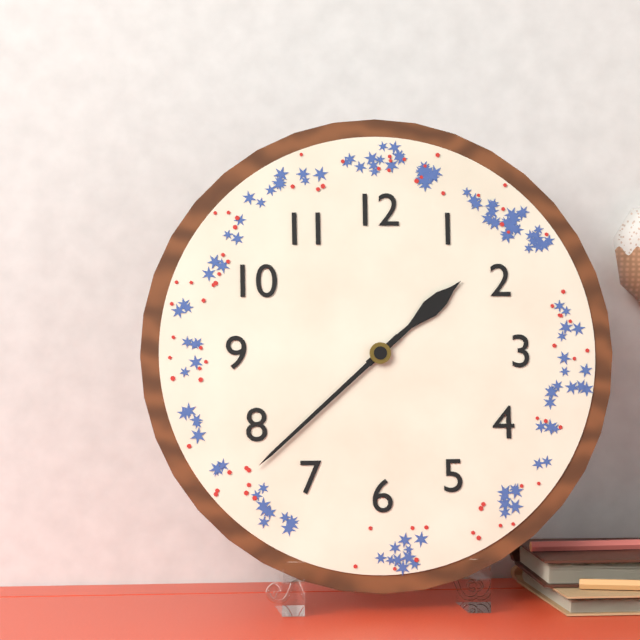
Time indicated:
**1:38**
